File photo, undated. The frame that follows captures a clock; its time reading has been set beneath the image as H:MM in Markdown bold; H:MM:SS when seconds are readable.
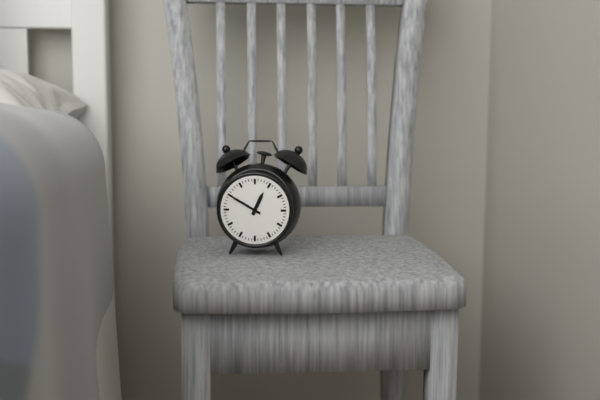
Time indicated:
**12:50**
